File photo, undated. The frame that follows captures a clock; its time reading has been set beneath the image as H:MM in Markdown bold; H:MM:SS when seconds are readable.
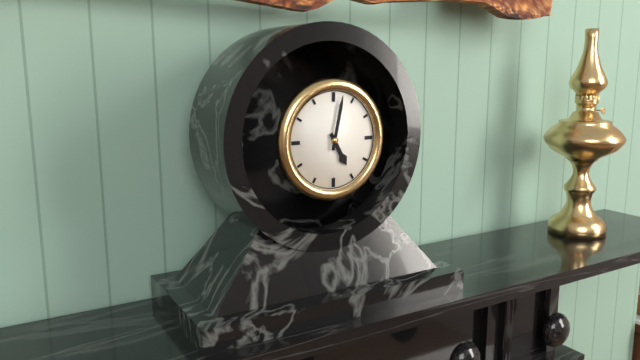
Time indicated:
**5:02**
